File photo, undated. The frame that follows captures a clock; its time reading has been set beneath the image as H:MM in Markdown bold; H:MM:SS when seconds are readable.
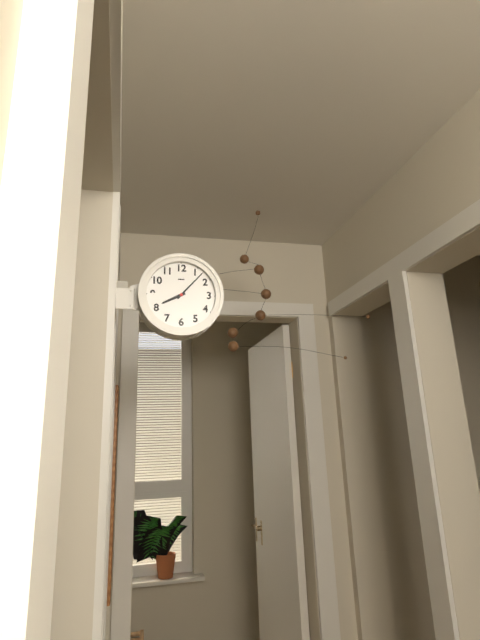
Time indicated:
**8:07**
